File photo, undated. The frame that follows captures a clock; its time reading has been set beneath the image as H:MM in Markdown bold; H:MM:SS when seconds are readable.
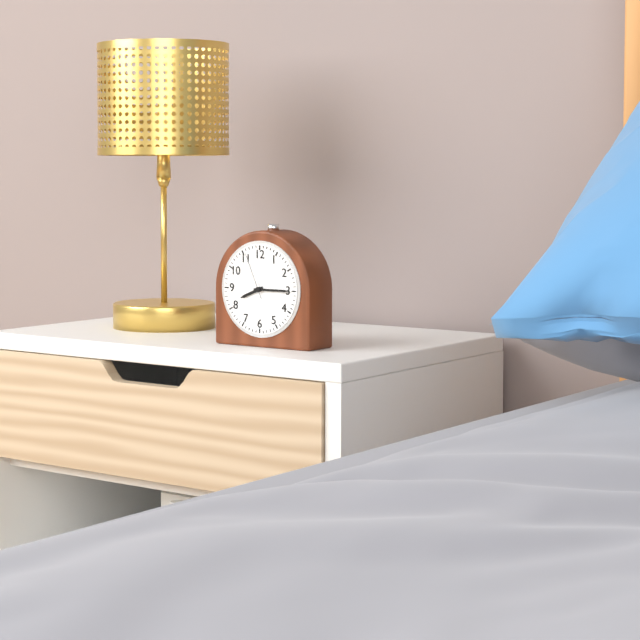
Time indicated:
**8:15:56**
